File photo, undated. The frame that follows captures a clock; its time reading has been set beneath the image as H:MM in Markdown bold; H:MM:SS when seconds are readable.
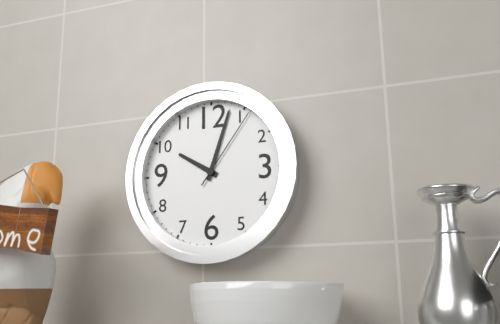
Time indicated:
**10:03:06**
